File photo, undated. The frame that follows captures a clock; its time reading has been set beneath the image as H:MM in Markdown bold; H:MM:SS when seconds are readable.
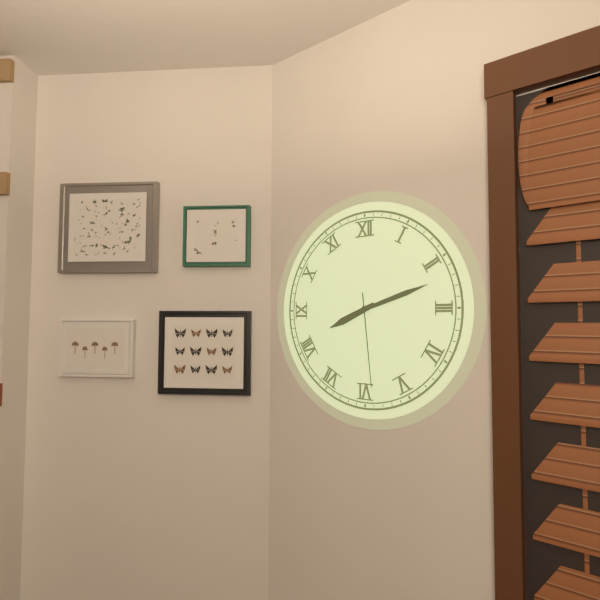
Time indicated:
**8:12:29**
